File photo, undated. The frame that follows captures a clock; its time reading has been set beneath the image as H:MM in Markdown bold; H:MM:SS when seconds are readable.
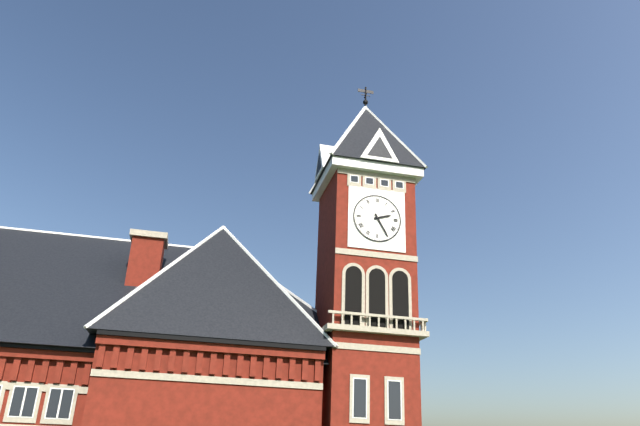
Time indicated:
**2:25**
